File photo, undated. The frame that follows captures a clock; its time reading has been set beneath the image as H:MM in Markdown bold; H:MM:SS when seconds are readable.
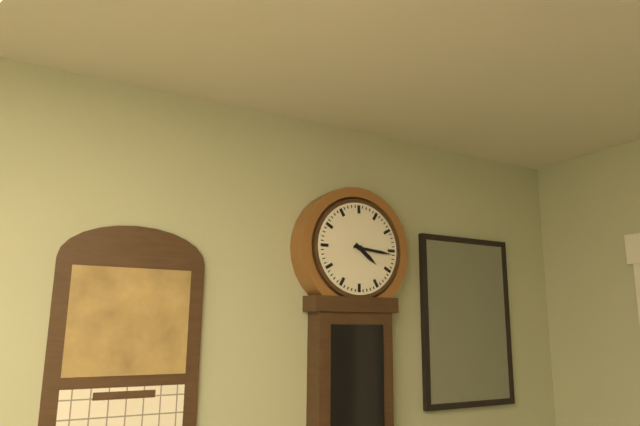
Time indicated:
**4:16**
